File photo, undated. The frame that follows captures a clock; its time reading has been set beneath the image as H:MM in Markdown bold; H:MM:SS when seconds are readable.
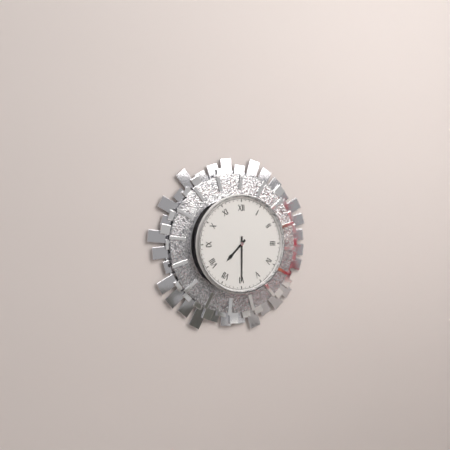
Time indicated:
**7:30**
